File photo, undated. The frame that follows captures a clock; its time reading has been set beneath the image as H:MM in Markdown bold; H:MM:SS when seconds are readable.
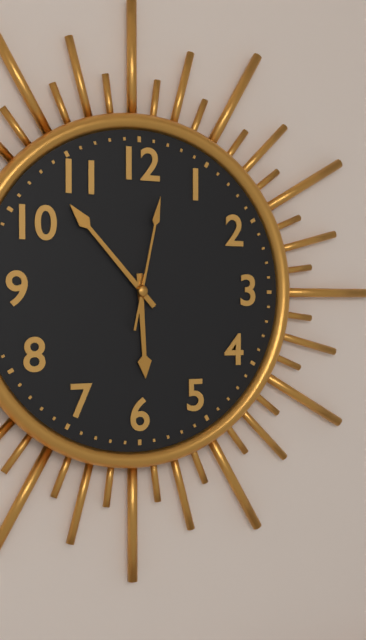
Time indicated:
**5:53:02**
